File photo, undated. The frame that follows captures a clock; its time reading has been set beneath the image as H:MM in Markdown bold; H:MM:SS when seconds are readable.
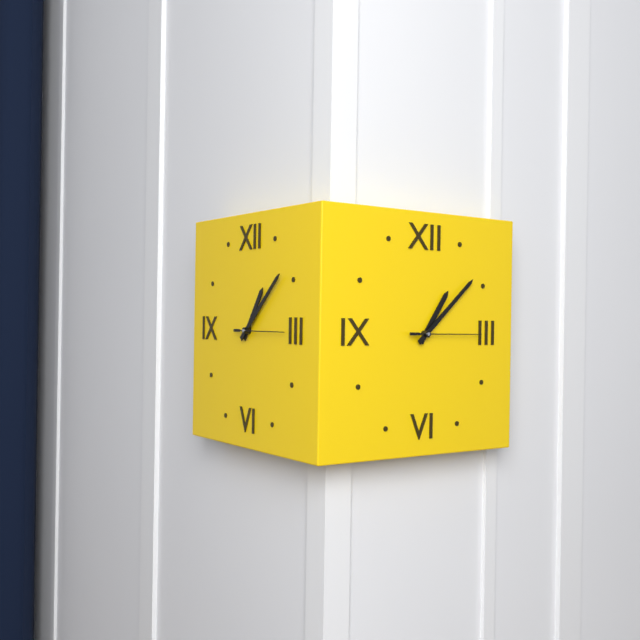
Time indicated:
**1:08:15**
